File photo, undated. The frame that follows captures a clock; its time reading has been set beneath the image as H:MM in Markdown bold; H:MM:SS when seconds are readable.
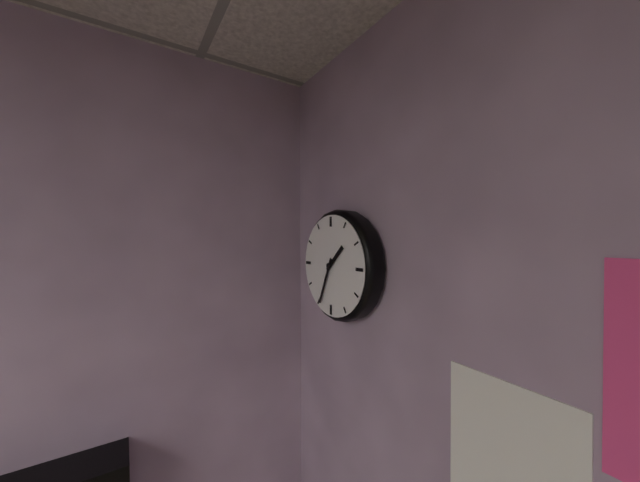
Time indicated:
**1:34**
